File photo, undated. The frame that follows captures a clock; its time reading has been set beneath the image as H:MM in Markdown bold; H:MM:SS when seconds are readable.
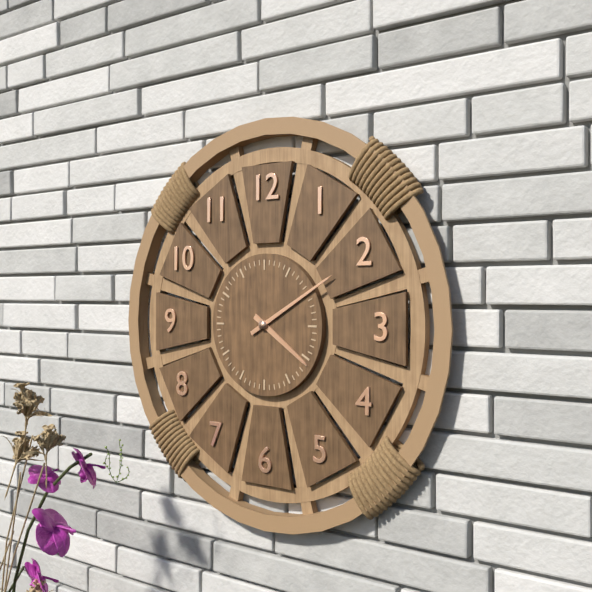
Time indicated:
**4:10**
